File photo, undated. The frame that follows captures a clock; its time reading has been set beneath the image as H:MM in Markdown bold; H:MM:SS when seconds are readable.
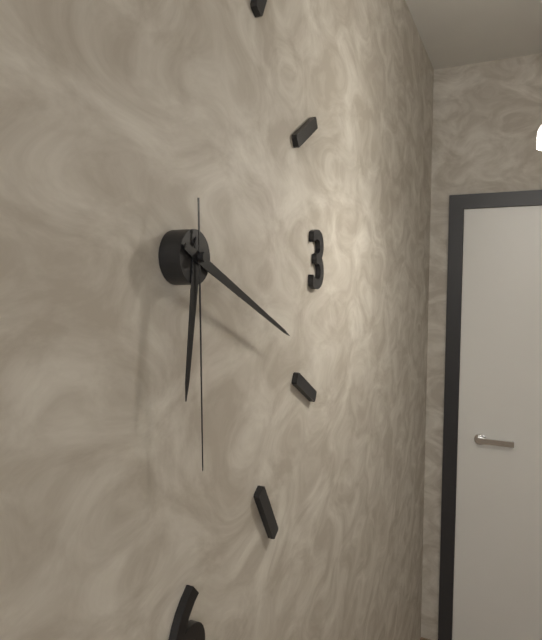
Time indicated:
**6:19:30**
